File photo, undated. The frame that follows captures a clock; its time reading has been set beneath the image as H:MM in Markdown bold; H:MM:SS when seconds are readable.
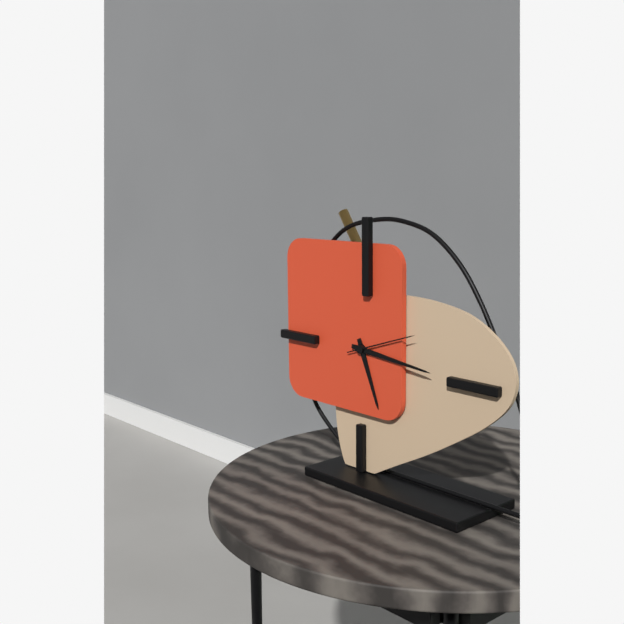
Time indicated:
**5:16:12**
